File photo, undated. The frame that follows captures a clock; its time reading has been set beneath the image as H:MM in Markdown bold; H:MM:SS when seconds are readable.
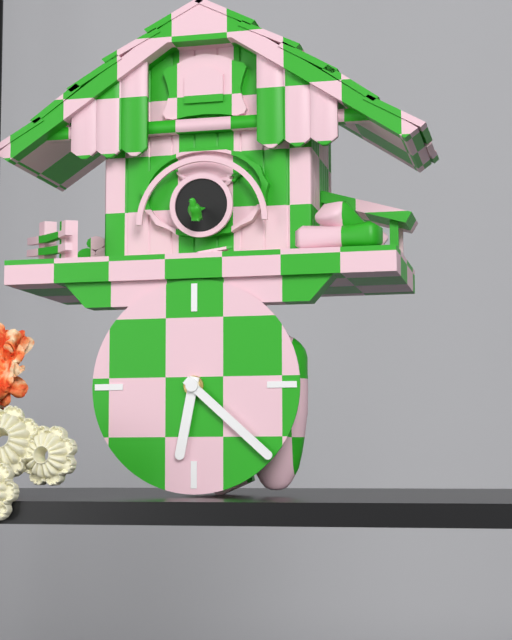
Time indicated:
**6:22**
